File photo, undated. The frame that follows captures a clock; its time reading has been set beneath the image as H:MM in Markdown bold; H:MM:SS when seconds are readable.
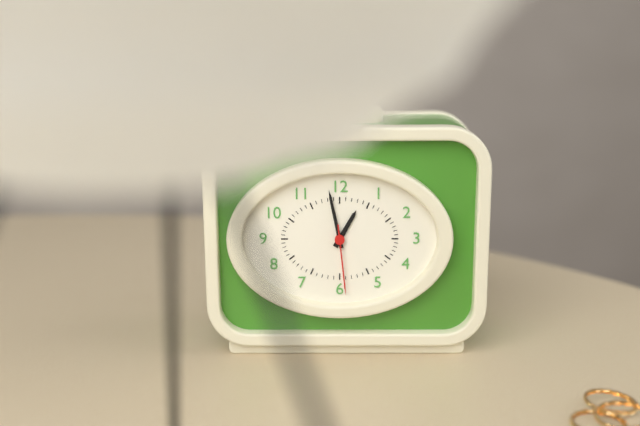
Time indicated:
**12:58:29**
